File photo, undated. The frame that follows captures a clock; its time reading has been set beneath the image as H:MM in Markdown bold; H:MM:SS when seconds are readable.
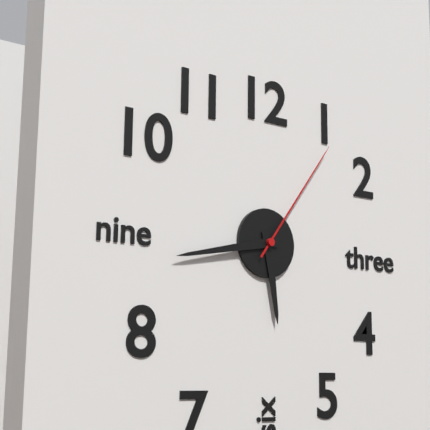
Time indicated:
**5:43:06**
